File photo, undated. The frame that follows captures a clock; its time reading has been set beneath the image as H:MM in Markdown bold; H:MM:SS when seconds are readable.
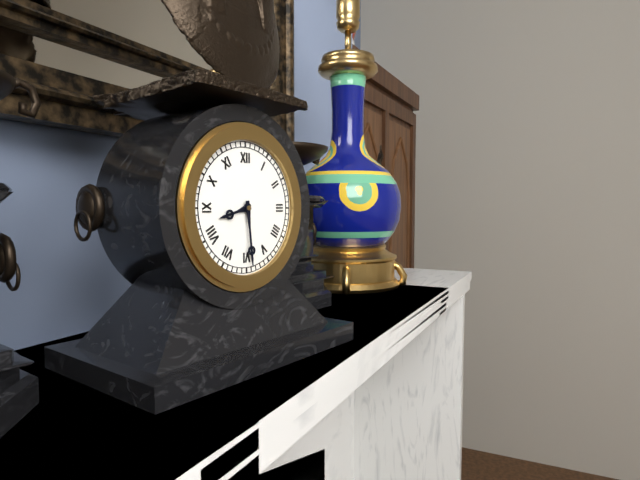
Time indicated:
**8:29**
